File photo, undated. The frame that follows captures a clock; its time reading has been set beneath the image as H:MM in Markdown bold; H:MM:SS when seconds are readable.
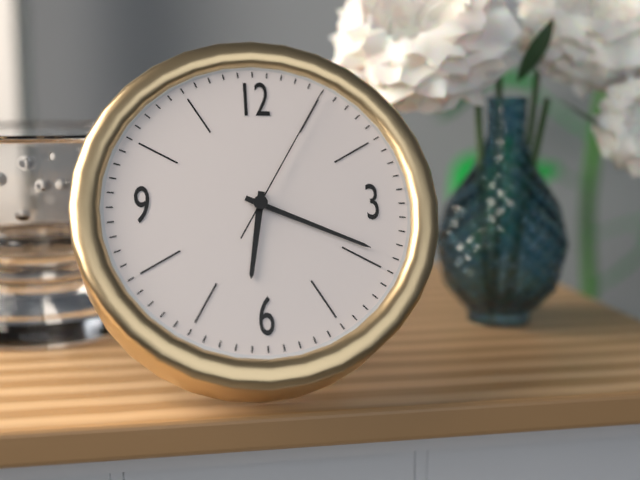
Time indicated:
**6:19:05**
